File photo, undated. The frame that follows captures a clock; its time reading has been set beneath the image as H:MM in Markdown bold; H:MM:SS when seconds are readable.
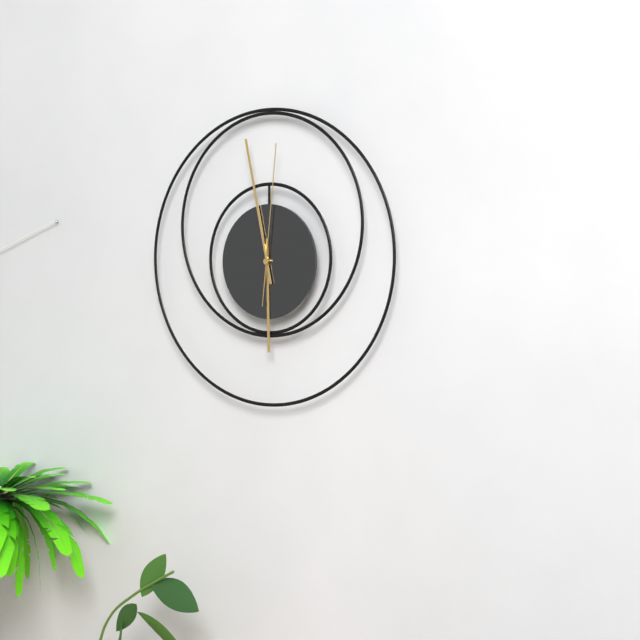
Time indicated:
**5:58:01**
